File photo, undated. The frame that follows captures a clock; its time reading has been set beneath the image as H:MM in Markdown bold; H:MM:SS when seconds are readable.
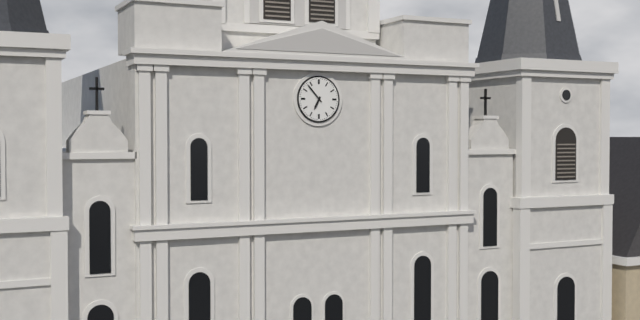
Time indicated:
**6:53**
